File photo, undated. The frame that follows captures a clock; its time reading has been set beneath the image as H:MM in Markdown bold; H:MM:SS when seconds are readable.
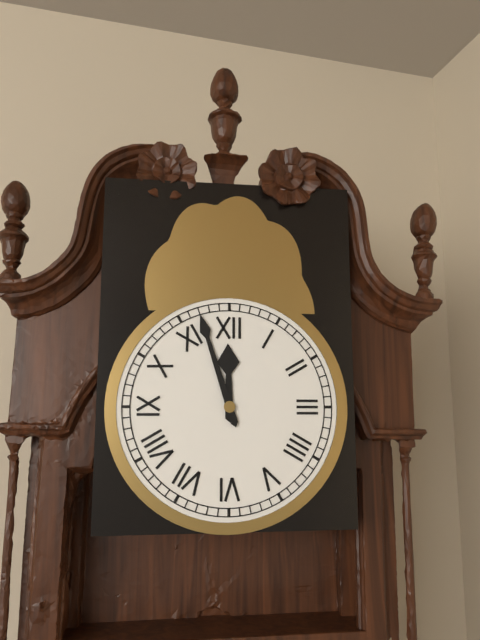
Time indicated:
**11:57**
